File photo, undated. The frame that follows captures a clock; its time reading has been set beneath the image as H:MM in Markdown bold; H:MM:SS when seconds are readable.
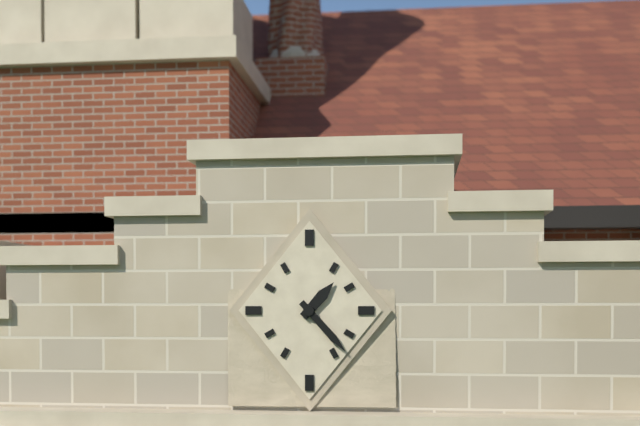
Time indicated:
**1:23**
